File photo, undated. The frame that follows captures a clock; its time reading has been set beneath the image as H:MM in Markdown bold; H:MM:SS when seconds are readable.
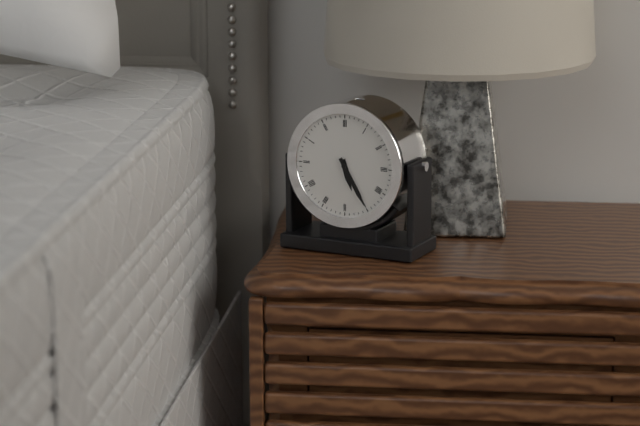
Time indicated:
**5:25**
